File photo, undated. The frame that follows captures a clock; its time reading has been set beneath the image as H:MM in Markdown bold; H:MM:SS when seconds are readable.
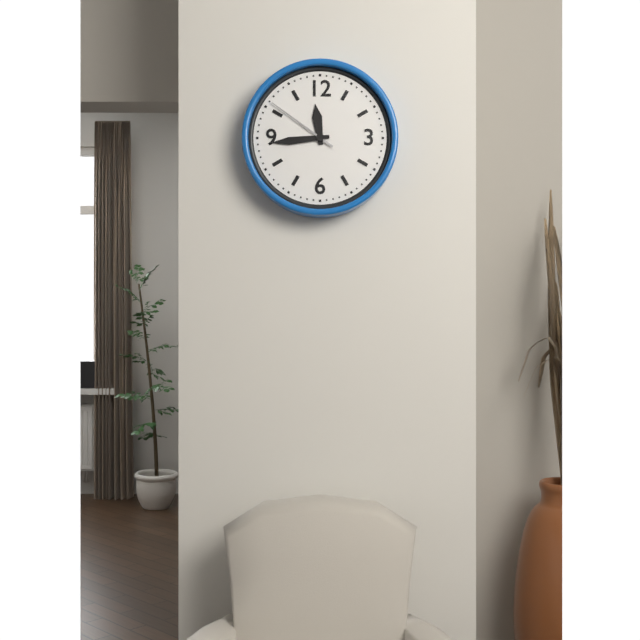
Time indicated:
**11:44:51**
